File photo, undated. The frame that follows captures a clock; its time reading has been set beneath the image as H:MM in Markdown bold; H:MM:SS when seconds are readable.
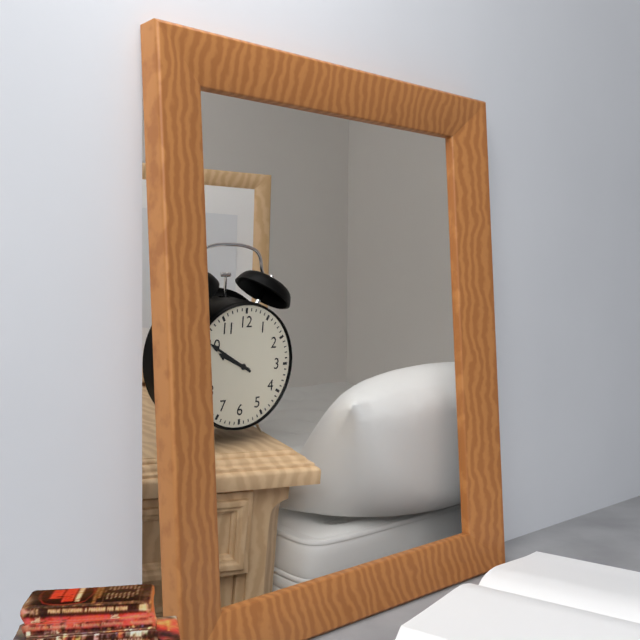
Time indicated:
**9:50**
